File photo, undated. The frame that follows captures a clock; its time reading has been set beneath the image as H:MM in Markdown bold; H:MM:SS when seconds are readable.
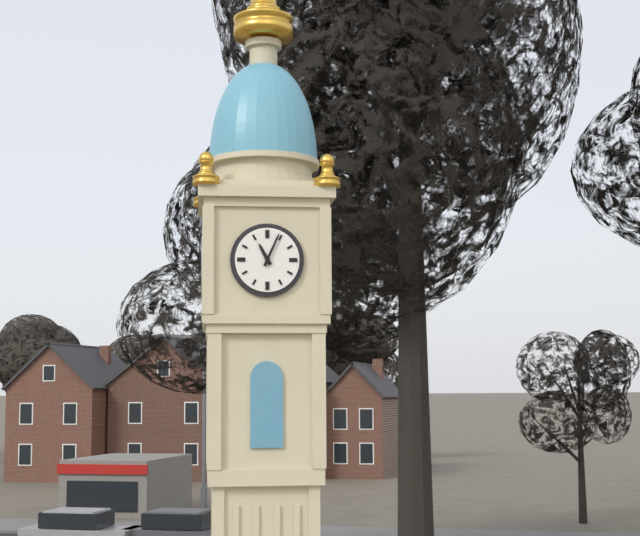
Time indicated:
**11:04**
